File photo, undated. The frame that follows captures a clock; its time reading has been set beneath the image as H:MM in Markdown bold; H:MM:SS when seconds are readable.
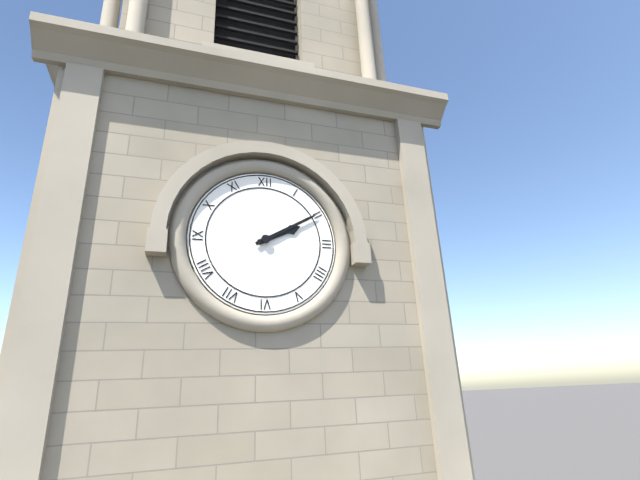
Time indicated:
**2:10**
